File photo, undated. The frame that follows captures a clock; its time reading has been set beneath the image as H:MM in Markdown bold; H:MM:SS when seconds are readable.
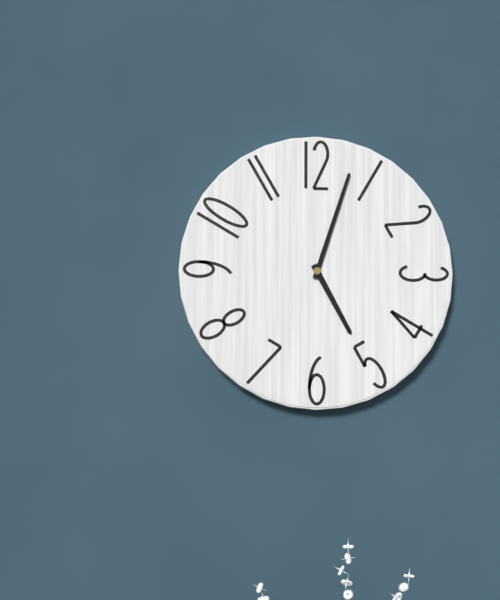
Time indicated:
**5:03**
